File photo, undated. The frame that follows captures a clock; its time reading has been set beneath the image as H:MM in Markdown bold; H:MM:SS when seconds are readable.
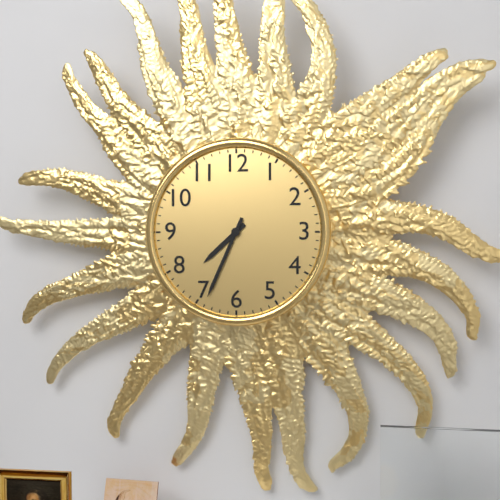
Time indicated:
**7:34**
